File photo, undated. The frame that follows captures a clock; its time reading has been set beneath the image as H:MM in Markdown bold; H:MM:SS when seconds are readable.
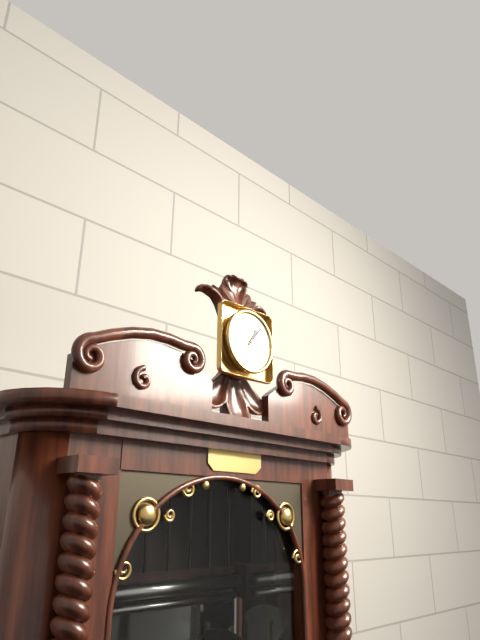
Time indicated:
**1:07**
